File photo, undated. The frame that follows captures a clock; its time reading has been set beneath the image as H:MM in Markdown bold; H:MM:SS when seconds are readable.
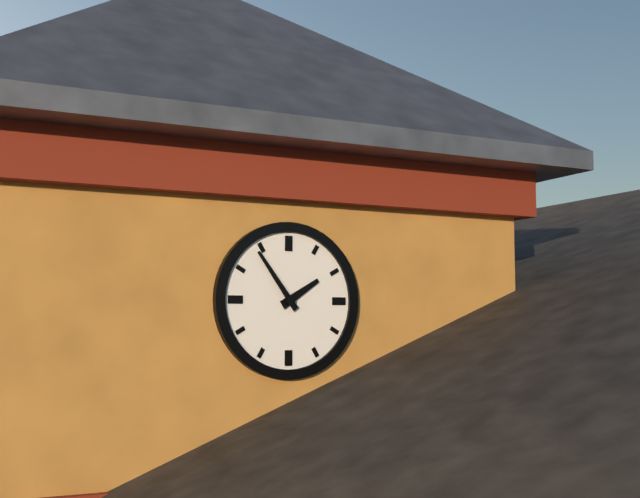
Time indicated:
**1:54**
